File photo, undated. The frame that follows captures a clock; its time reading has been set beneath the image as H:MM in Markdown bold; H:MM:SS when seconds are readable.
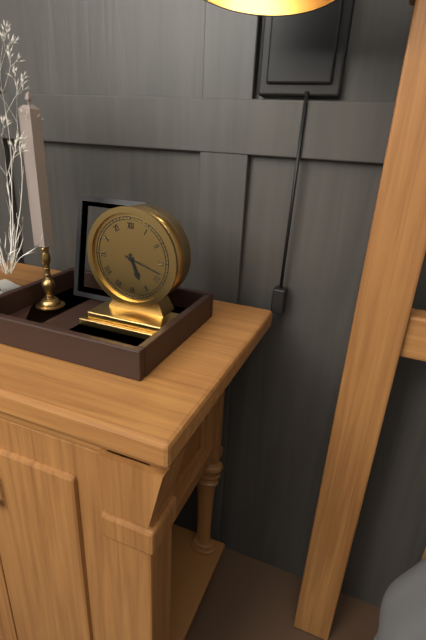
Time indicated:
**5:18**
